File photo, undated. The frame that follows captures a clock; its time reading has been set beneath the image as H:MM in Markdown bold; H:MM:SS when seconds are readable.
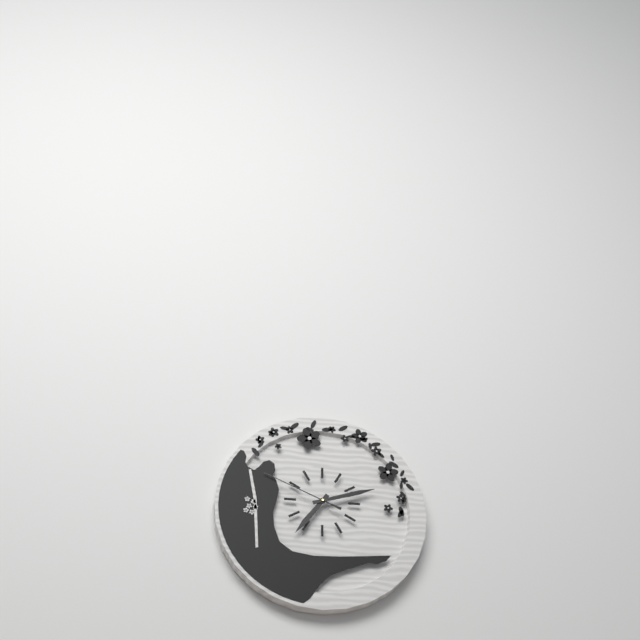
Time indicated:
**7:12:49**
